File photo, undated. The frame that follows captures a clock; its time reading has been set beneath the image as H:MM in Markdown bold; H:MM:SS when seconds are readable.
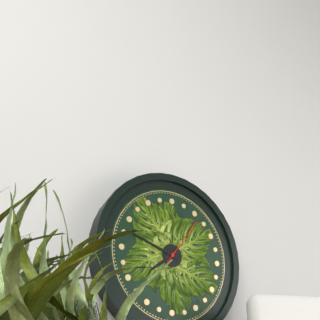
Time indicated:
**7:48:06**
